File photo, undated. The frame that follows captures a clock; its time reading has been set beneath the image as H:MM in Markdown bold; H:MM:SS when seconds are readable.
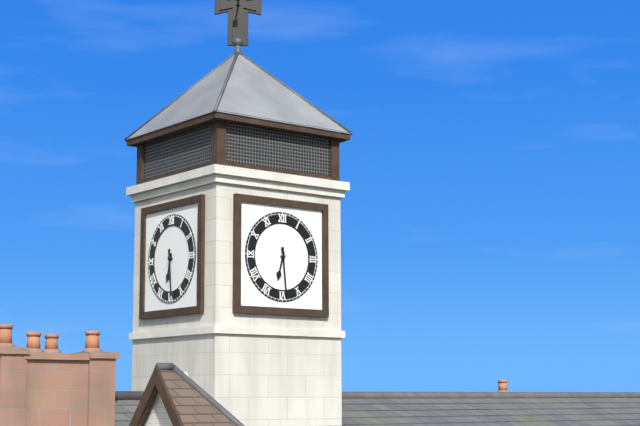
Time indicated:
**6:29**
